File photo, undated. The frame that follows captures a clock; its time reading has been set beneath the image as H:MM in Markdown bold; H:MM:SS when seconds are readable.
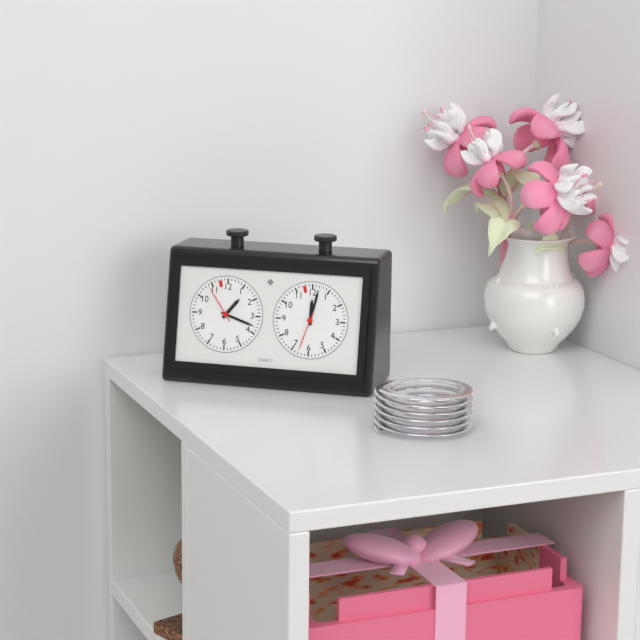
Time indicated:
**1:18**
